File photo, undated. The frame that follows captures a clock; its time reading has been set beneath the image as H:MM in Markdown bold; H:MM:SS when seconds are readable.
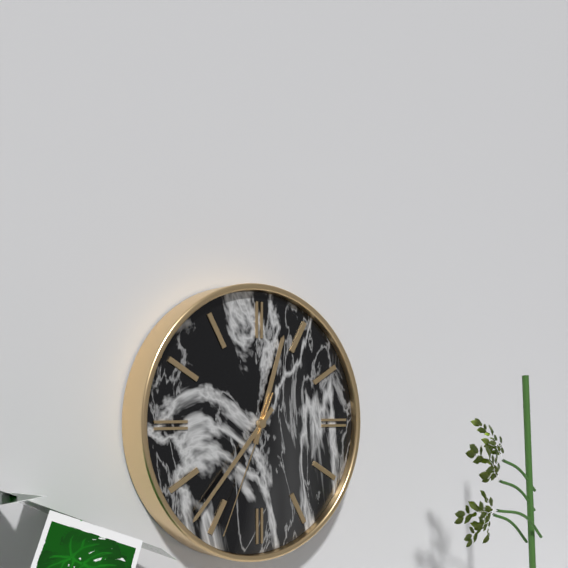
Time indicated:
**12:37:34**
